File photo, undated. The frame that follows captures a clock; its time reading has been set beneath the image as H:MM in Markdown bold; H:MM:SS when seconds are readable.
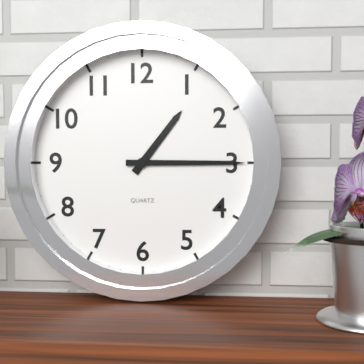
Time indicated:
**1:15**
